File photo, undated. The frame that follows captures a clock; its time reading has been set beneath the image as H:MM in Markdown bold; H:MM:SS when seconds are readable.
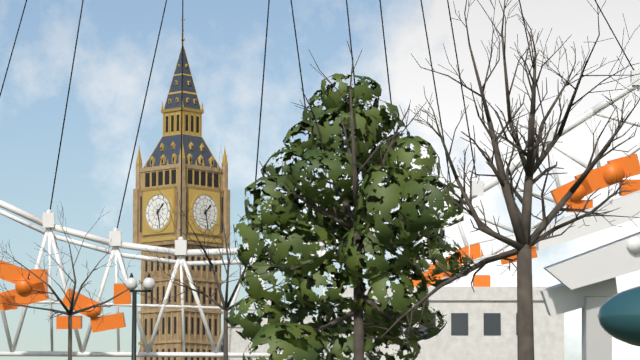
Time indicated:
**1:28**
